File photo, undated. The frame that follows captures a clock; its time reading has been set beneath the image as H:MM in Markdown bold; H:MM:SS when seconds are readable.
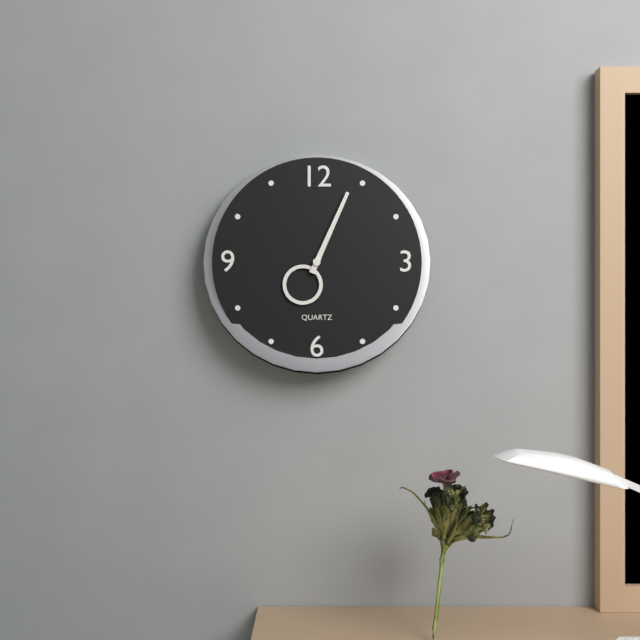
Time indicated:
**7:04**
